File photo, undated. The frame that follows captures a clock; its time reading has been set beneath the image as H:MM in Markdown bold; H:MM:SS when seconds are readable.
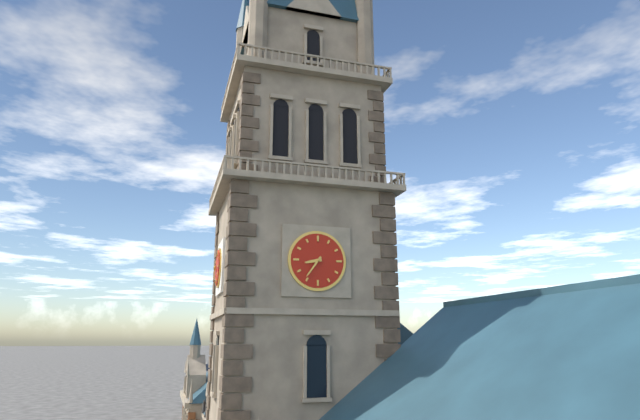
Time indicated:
**8:36**
